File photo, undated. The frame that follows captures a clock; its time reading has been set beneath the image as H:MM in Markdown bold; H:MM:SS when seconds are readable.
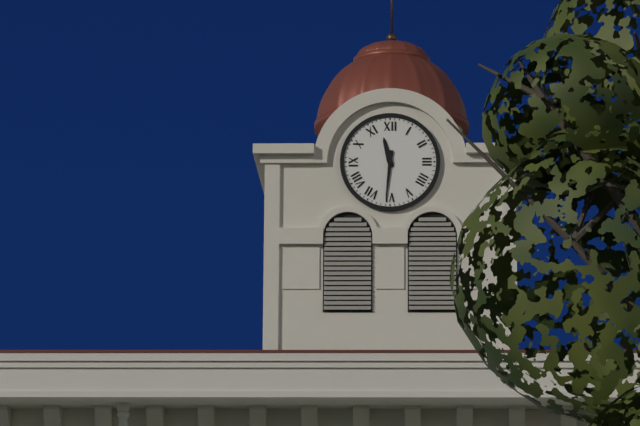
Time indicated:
**11:31**
